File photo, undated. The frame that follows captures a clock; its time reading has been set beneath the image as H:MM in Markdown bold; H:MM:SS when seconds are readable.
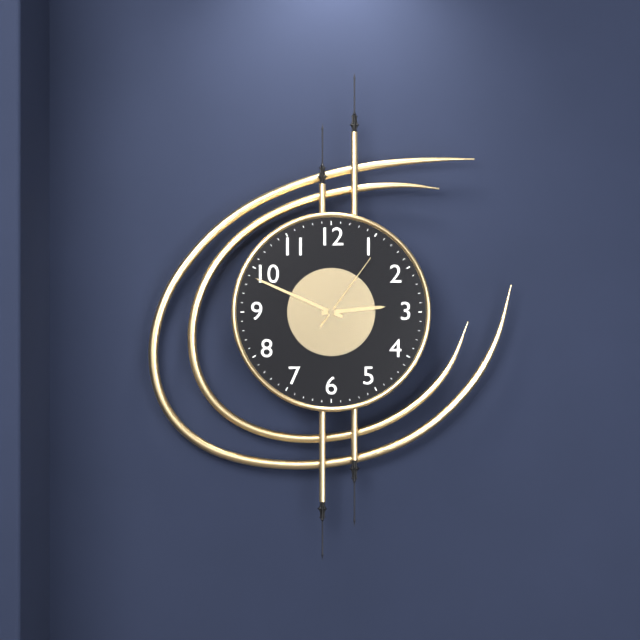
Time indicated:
**2:49:06**
